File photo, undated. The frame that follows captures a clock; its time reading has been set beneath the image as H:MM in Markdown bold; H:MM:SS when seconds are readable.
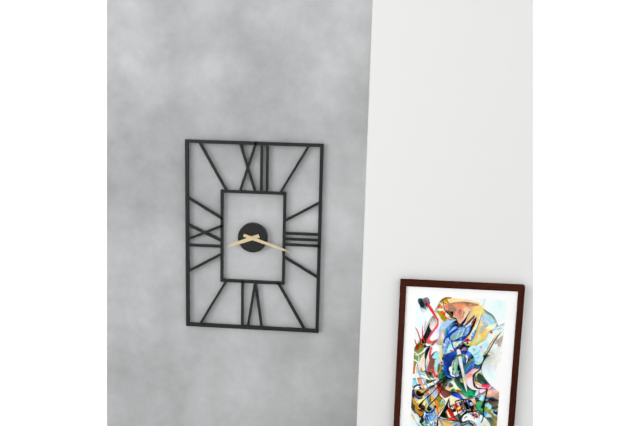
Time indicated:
**8:18**
